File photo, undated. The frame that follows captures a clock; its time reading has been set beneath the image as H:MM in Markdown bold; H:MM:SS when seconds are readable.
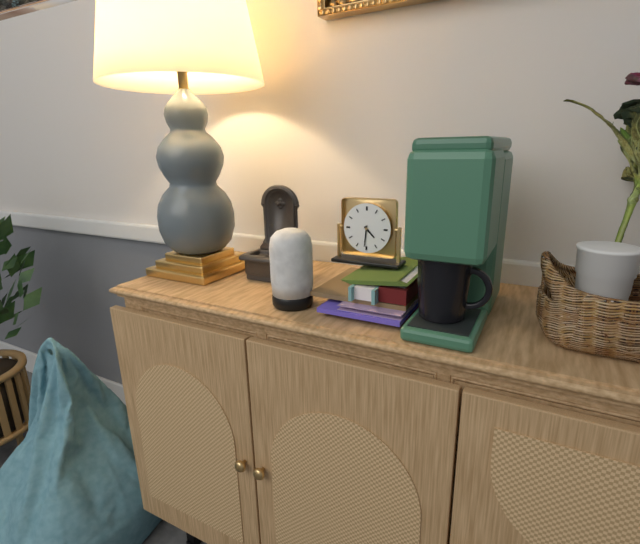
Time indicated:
**4:31**
